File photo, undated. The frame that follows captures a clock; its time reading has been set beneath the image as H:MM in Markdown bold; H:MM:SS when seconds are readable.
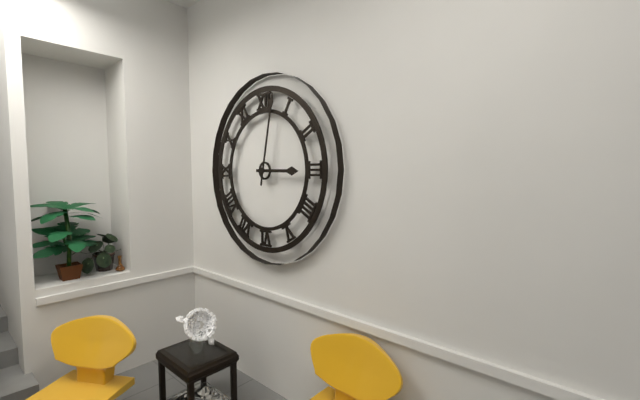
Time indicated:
**3:02**
